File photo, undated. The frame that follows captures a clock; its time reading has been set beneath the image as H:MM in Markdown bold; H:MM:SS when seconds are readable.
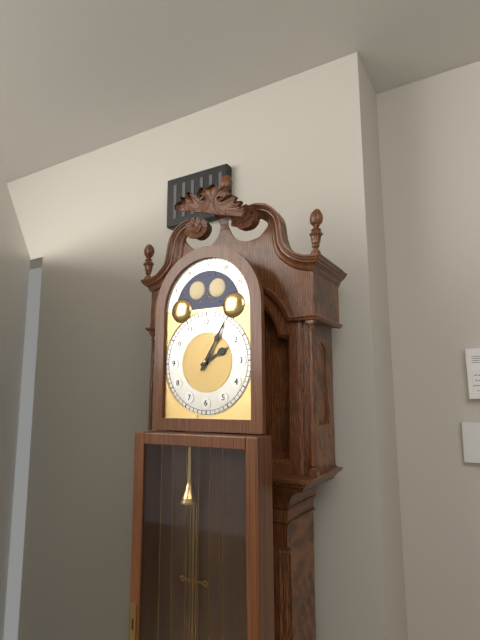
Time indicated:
**2:05**
